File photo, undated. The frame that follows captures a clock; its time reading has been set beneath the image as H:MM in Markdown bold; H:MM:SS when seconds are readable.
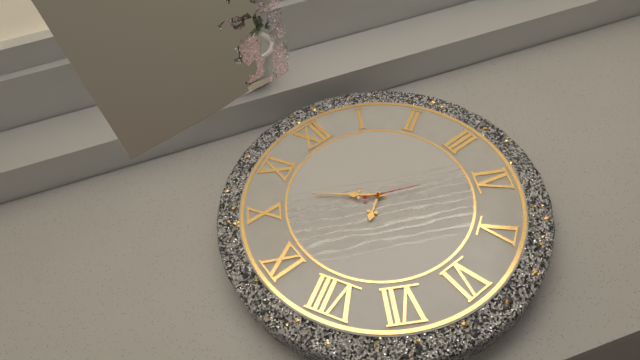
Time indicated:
**7:52:19**
